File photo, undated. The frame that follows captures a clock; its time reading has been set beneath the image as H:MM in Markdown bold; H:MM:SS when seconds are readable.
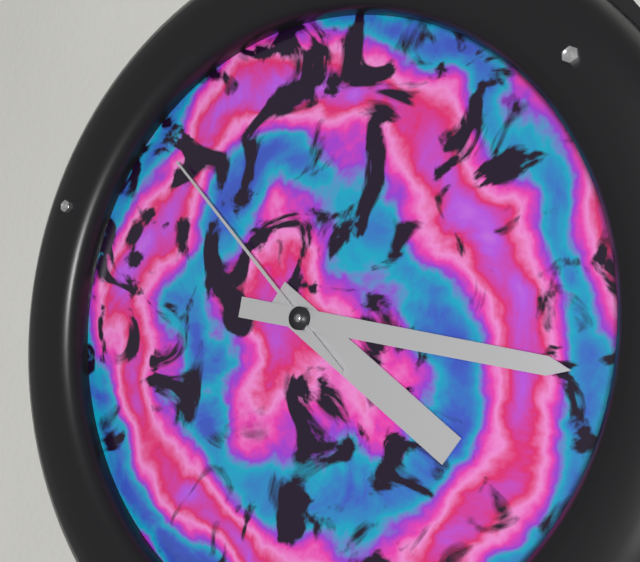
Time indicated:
**4:17:53**
